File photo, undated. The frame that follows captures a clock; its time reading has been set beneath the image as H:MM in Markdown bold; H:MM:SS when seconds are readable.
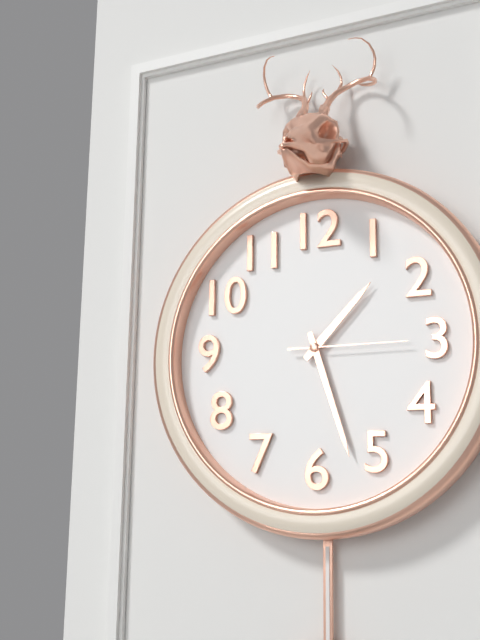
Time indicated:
**1:27:15**
